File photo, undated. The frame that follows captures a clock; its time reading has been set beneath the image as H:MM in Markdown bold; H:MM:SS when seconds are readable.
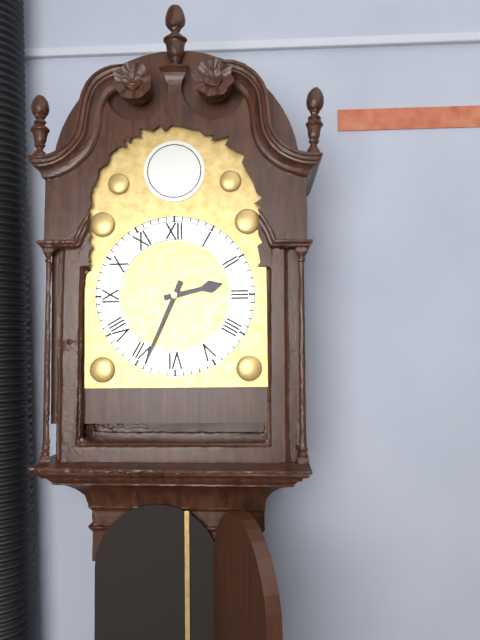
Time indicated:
**2:34**
